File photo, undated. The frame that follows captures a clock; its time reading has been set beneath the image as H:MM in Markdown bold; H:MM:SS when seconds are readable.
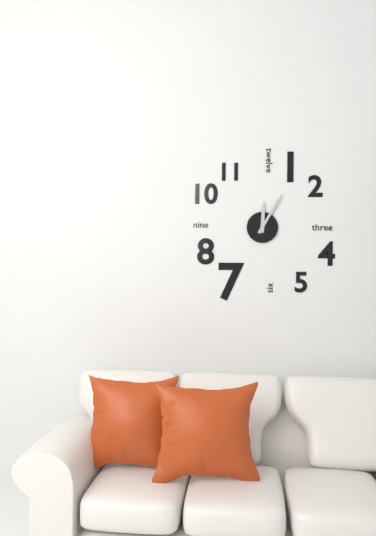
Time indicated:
**12:05**
